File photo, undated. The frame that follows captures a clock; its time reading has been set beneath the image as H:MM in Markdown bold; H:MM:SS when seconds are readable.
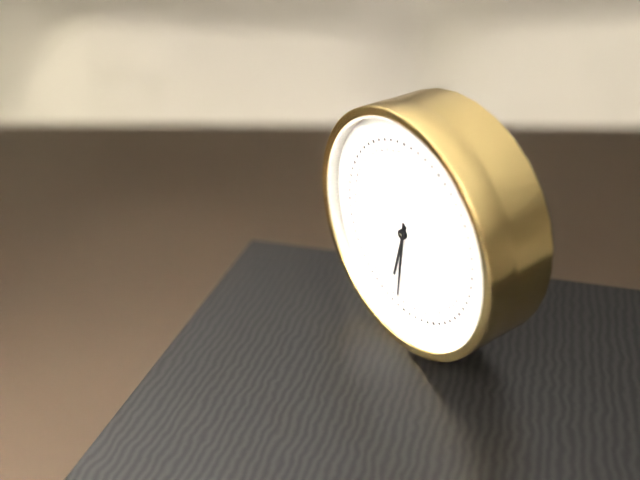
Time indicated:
**6:31**
